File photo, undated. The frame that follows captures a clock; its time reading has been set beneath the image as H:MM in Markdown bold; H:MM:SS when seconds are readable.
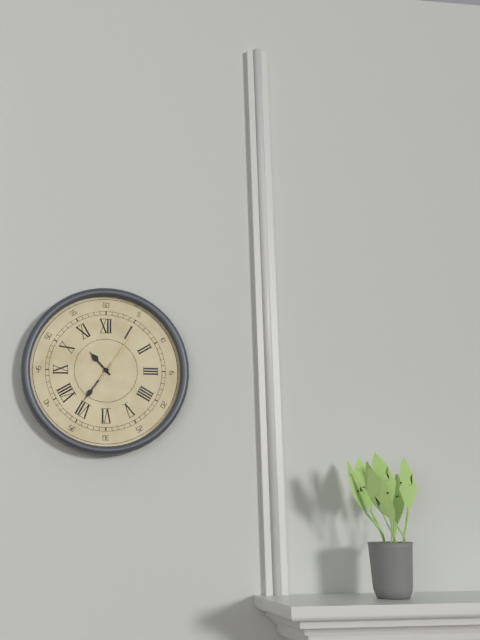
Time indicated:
**10:36:06**
